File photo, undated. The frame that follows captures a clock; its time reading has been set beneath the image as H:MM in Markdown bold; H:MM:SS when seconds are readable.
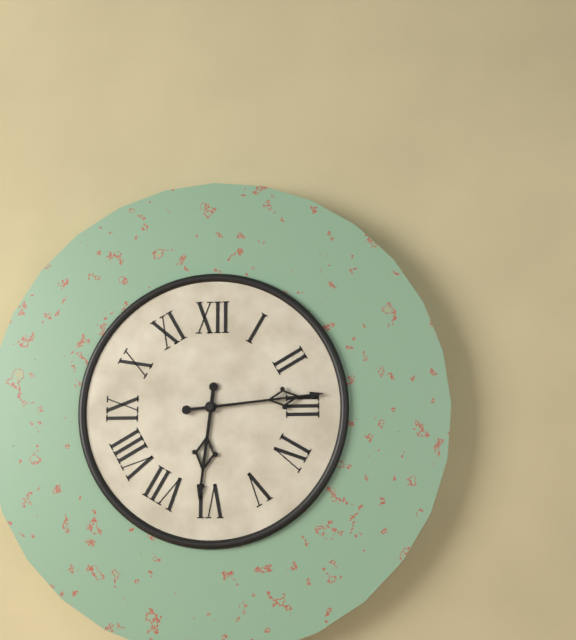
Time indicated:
**6:14**
